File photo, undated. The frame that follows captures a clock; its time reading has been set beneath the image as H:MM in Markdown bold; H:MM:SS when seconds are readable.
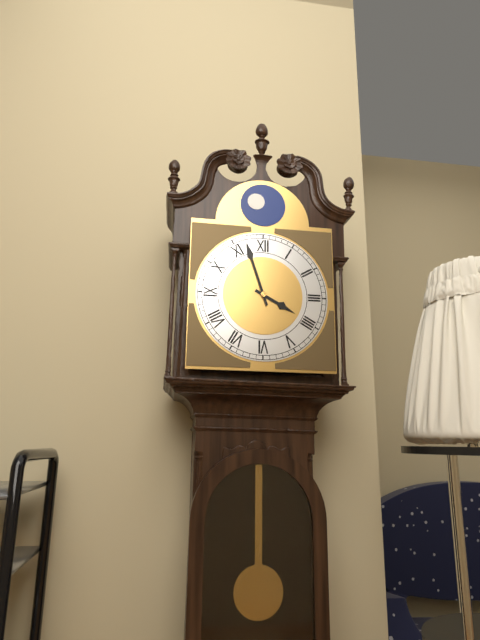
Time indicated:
**3:57**
